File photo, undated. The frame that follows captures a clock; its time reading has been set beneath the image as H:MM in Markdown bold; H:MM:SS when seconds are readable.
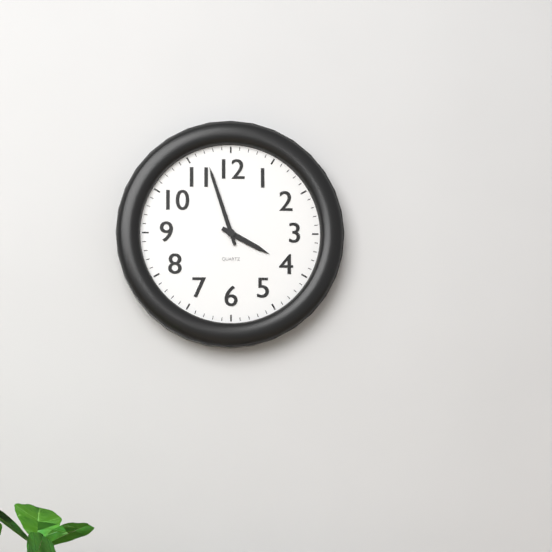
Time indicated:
**3:57**
